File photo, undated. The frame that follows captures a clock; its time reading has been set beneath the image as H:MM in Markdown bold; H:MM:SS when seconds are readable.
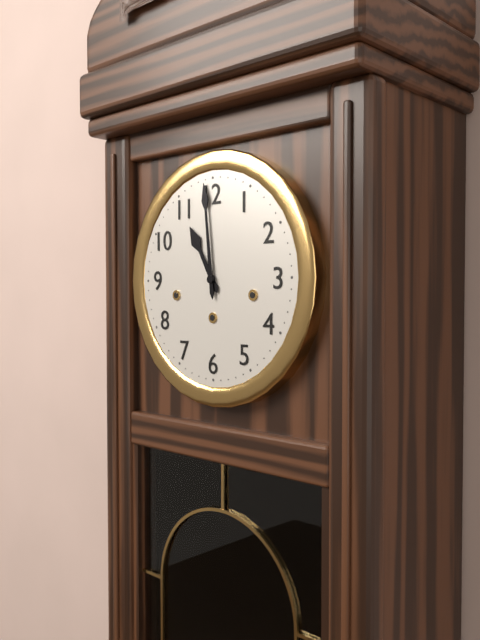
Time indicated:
**10:59**
